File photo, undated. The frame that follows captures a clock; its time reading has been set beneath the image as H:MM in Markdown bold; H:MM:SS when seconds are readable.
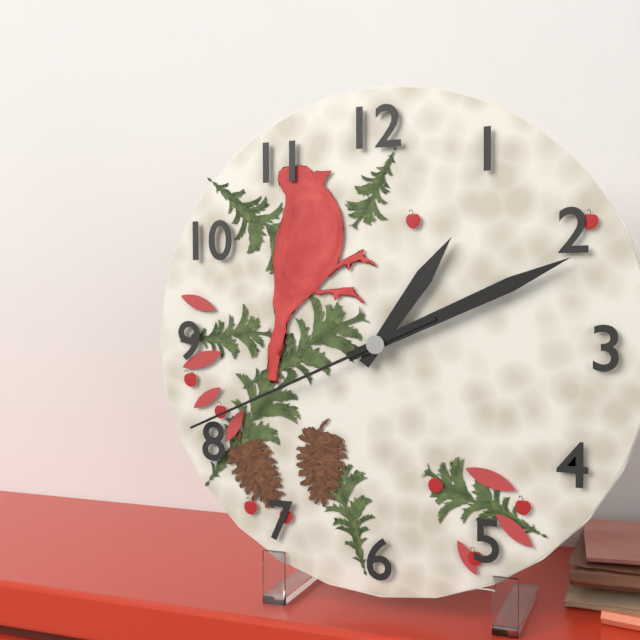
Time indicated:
**1:11:41**
